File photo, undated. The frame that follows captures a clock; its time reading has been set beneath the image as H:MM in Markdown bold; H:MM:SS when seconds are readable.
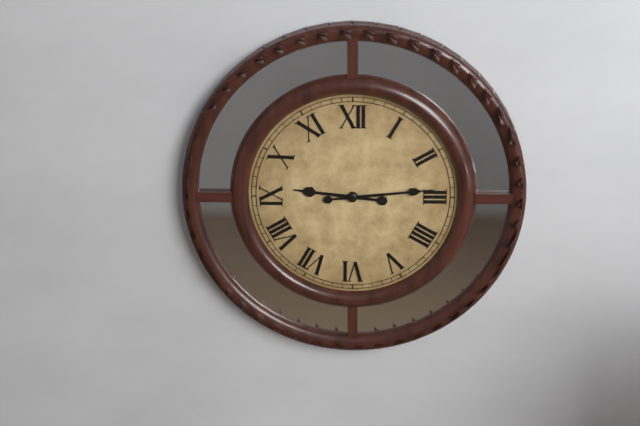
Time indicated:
**9:14**
